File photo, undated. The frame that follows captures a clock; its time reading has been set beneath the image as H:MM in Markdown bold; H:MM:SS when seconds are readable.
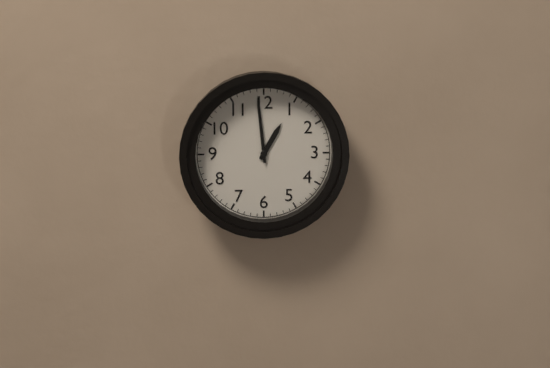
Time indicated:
**12:59**
